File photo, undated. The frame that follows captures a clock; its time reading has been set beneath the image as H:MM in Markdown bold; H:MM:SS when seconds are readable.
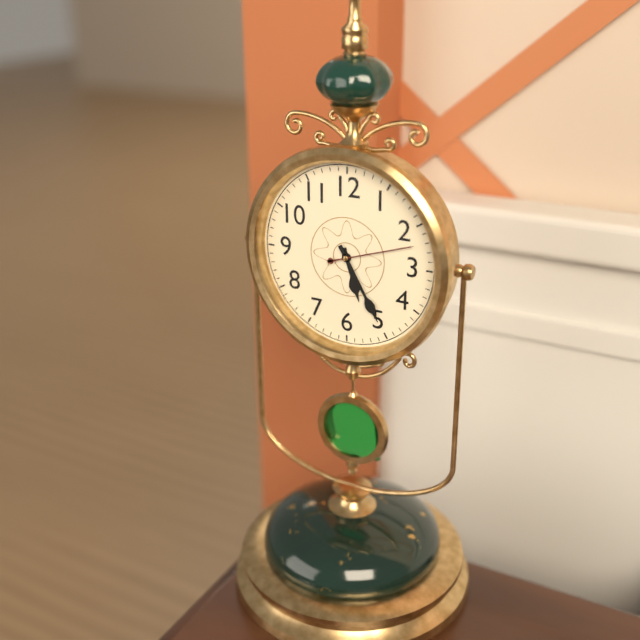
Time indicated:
**5:25:12**
